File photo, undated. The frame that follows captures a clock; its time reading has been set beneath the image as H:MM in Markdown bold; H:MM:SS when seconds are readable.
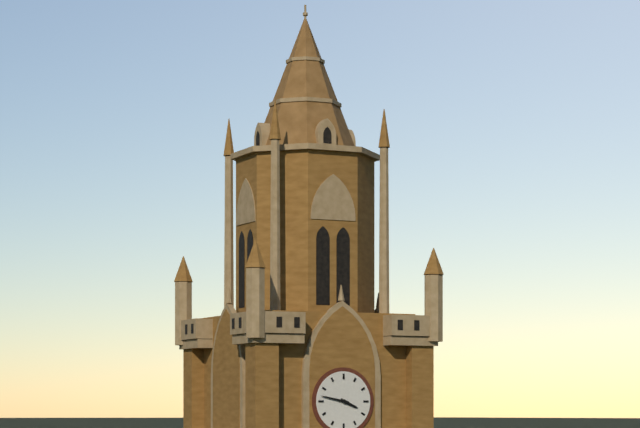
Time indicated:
**3:47**
